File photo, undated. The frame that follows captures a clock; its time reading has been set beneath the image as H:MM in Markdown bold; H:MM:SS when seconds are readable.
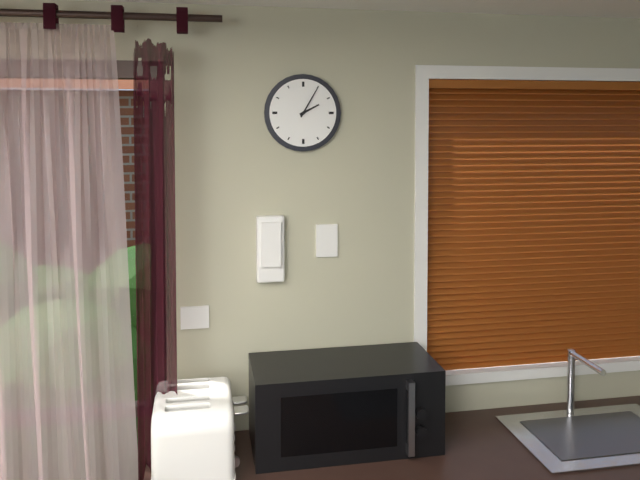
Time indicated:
**2:05**
